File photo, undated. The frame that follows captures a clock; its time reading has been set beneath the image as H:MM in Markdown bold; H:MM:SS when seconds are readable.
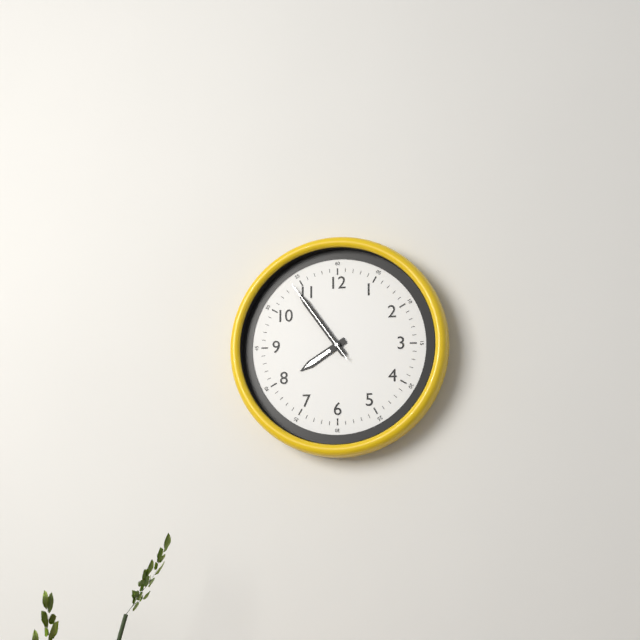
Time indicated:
**7:54:54**
